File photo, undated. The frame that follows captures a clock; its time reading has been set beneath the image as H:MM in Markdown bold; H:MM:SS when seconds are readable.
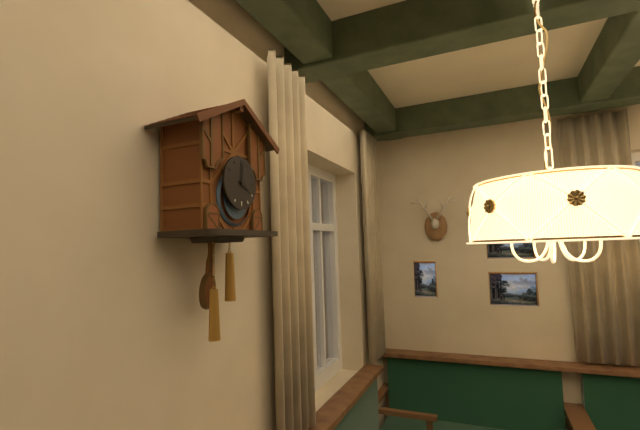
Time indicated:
**4:01**
